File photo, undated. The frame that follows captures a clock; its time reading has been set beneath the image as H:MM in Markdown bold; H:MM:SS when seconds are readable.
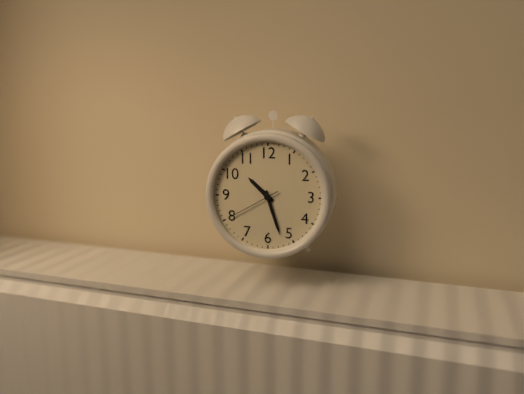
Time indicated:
**10:27:40**
